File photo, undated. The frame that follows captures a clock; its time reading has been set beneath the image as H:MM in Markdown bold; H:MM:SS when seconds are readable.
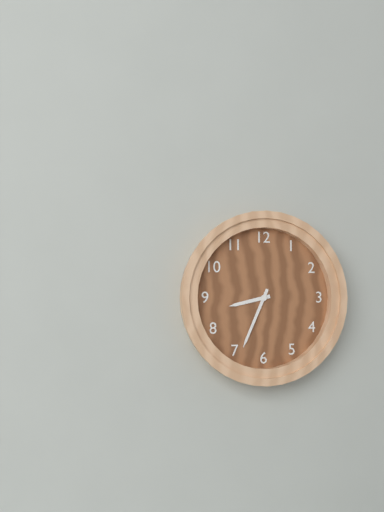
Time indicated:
**8:34**
